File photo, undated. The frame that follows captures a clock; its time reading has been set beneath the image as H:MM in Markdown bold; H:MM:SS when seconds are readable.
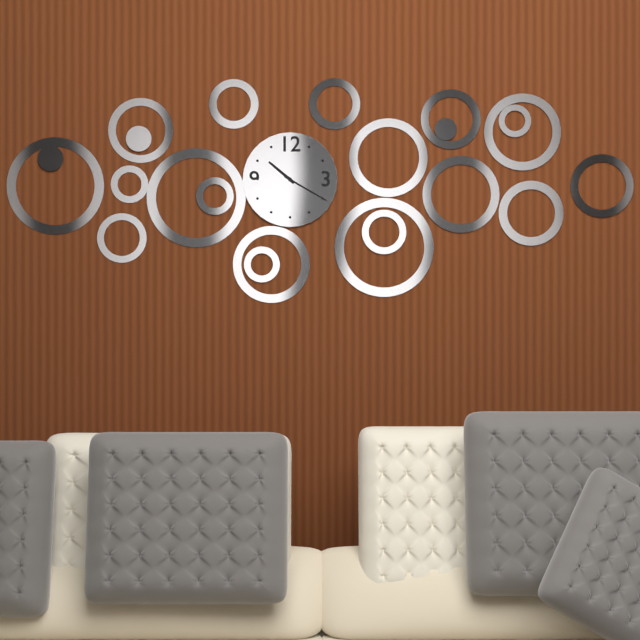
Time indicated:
**10:20**
